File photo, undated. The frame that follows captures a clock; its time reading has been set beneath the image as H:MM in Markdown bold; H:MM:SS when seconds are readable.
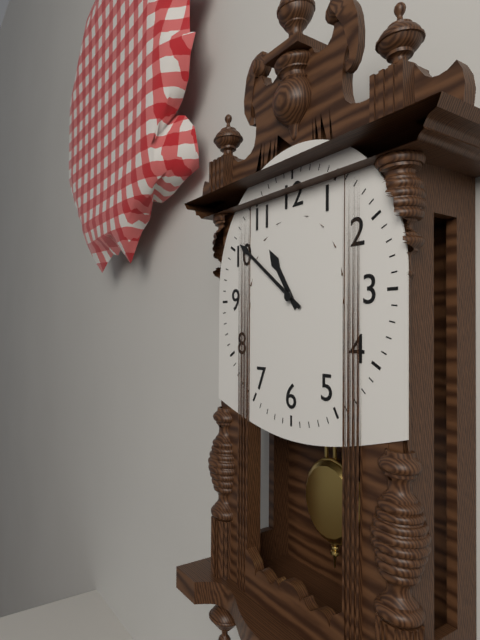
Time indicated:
**10:51**
